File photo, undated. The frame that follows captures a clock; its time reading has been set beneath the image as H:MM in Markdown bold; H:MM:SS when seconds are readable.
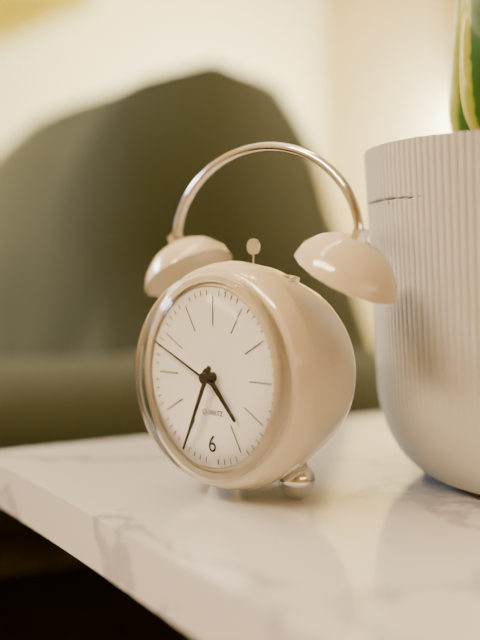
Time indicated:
**4:34:49**
